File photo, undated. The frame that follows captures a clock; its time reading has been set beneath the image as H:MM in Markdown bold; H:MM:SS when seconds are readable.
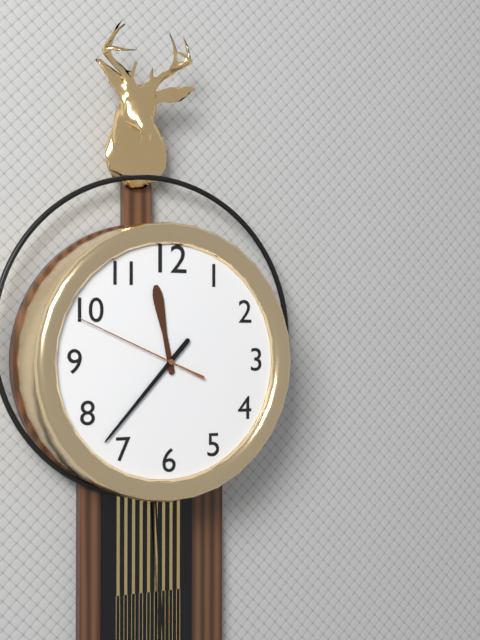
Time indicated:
**11:37:49**
